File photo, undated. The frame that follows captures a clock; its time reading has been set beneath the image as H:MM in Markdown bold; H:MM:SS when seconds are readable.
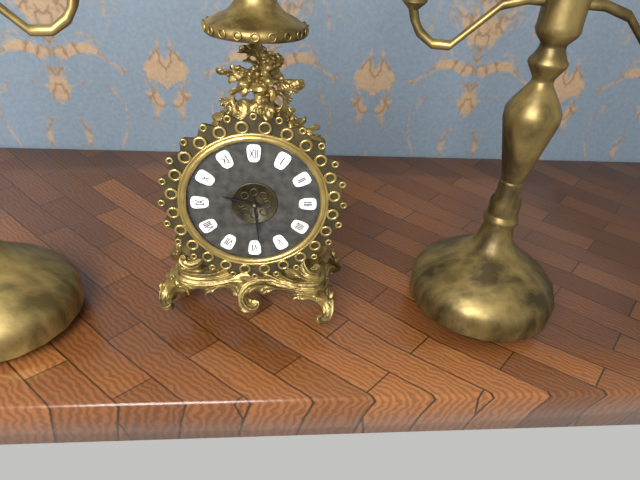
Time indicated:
**9:29**
